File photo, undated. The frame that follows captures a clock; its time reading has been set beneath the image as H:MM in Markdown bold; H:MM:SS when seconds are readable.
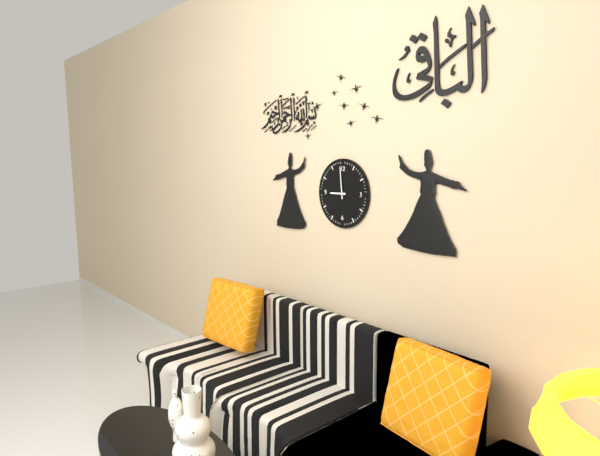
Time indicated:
**8:59**
